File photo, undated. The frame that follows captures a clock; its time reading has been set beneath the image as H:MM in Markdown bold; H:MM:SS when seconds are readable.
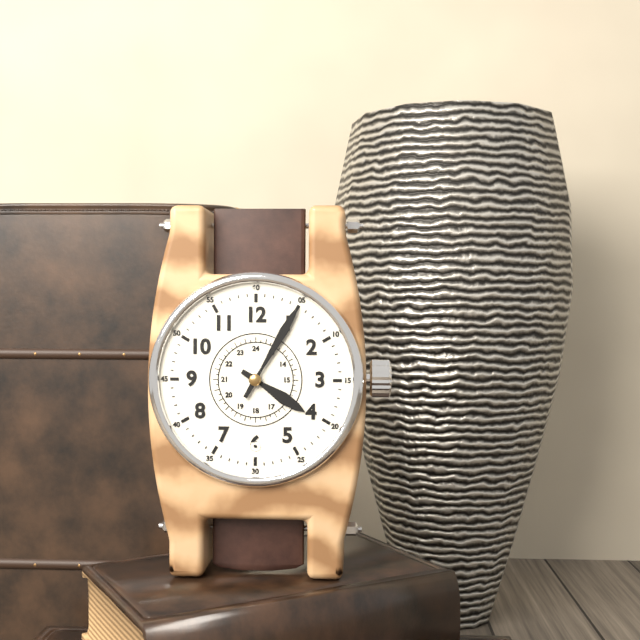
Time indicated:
**4:05**
